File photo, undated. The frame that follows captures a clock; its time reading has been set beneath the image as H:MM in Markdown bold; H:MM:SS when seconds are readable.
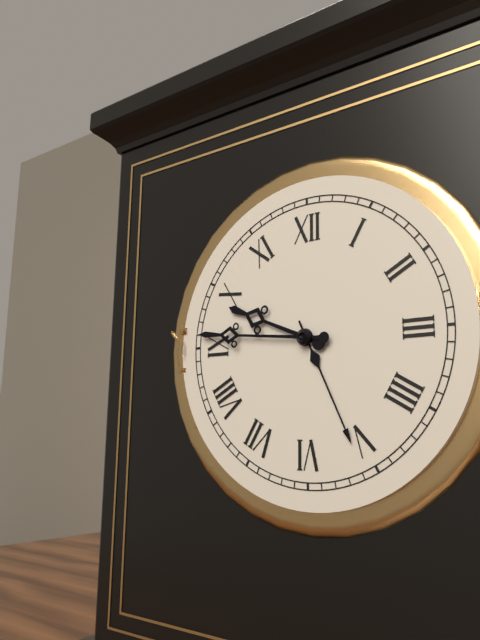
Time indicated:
**9:46**
